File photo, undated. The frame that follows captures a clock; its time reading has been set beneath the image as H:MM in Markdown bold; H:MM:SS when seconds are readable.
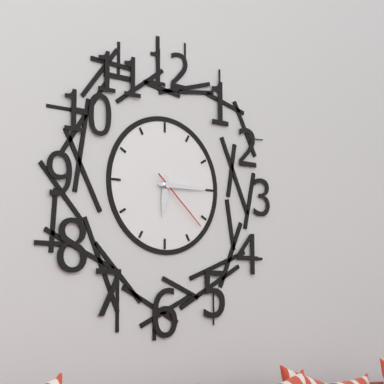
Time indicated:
**6:15:22**
